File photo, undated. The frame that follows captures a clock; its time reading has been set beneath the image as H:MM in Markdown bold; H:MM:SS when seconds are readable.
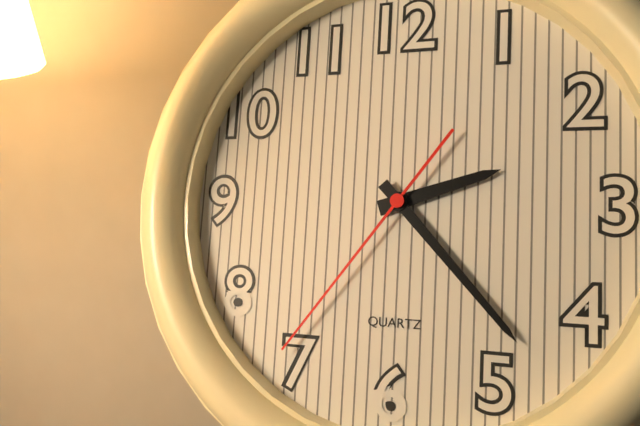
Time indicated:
**2:23:36**
